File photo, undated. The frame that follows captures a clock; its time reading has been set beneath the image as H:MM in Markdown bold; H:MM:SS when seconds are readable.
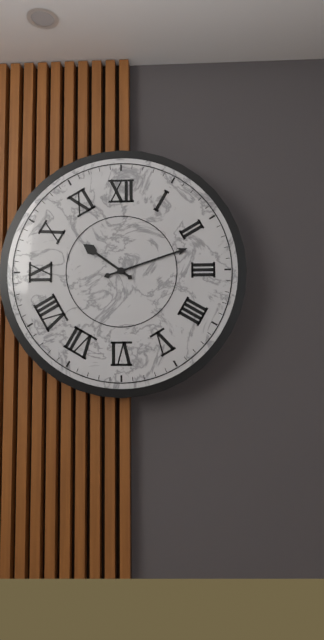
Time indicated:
**10:12**
